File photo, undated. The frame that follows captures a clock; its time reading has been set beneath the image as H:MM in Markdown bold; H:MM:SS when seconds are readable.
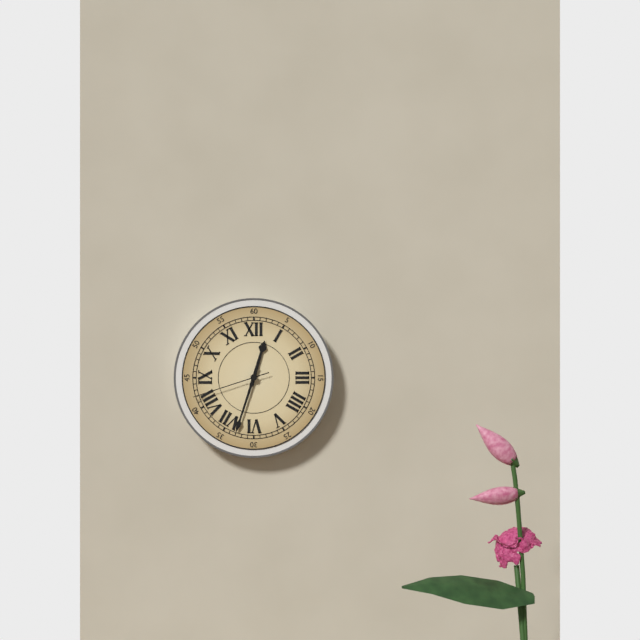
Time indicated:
**12:33:42**
